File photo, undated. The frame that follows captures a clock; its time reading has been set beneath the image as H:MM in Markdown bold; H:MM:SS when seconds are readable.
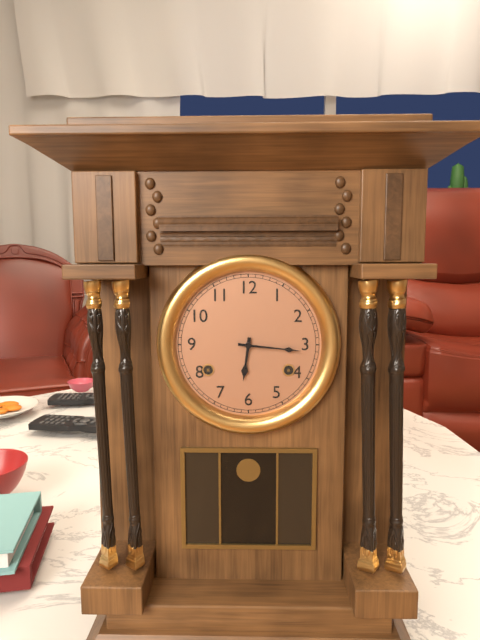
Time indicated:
**6:16**
